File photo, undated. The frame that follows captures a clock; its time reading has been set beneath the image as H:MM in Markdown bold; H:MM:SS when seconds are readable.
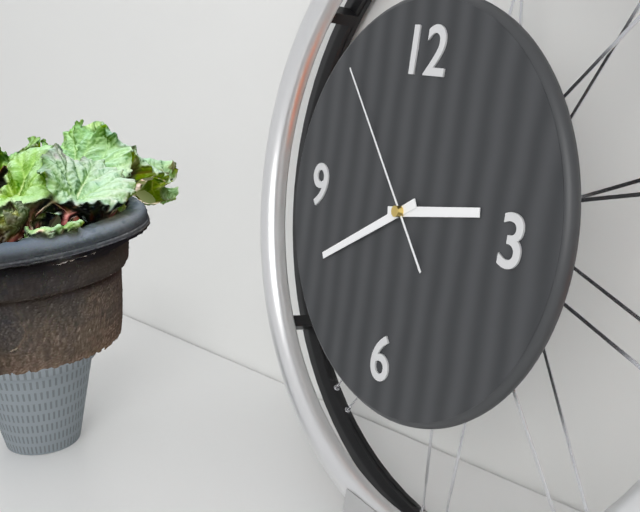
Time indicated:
**2:40:53**
